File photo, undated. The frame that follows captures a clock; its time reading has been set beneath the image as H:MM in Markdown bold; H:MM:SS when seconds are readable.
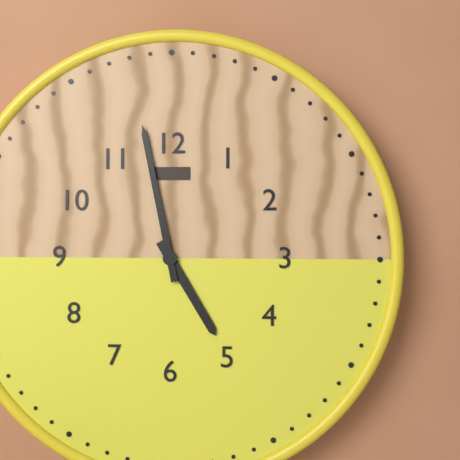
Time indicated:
**4:58**
